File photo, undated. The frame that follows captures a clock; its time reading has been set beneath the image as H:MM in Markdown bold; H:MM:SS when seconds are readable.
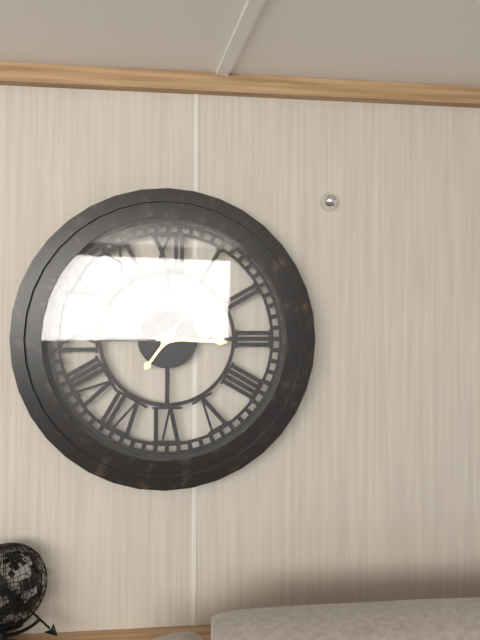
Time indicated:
**3:06**
